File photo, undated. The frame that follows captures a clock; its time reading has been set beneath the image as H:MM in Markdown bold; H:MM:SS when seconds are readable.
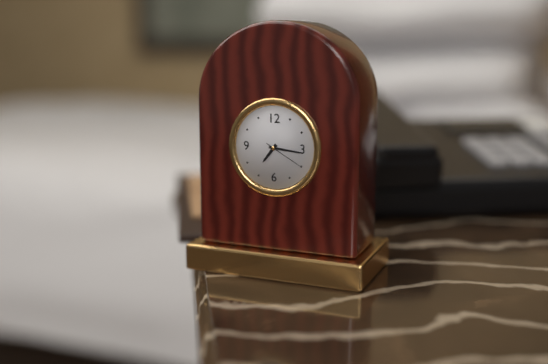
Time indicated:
**7:16**
